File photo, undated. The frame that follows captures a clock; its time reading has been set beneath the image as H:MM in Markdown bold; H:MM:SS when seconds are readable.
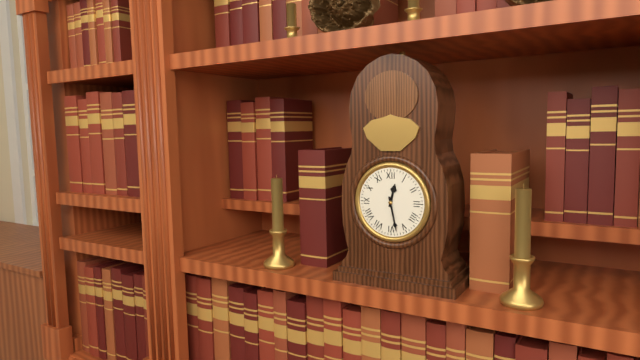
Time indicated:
**12:28**
